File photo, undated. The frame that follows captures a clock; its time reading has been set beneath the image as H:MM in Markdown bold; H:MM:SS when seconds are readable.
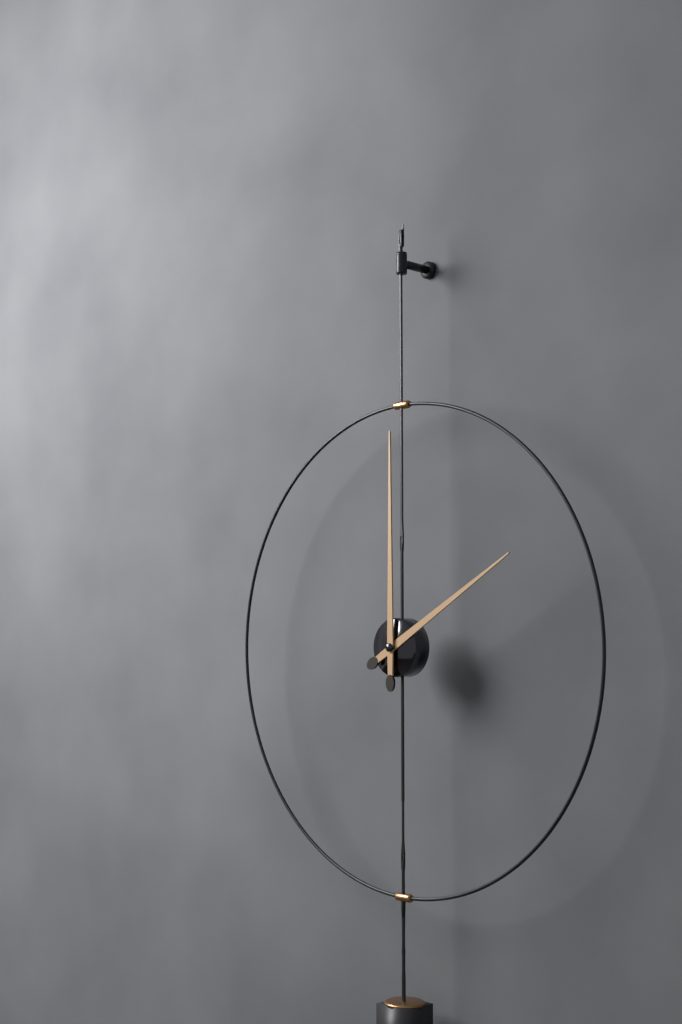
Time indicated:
**2:00**
